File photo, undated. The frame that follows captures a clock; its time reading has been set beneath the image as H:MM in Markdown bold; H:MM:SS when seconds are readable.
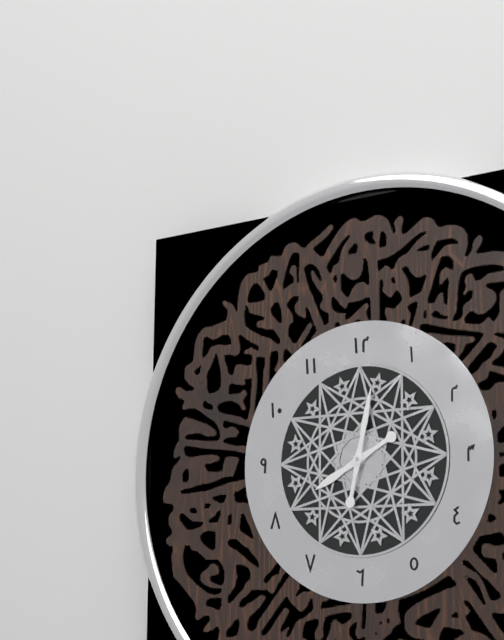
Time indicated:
**8:02**
